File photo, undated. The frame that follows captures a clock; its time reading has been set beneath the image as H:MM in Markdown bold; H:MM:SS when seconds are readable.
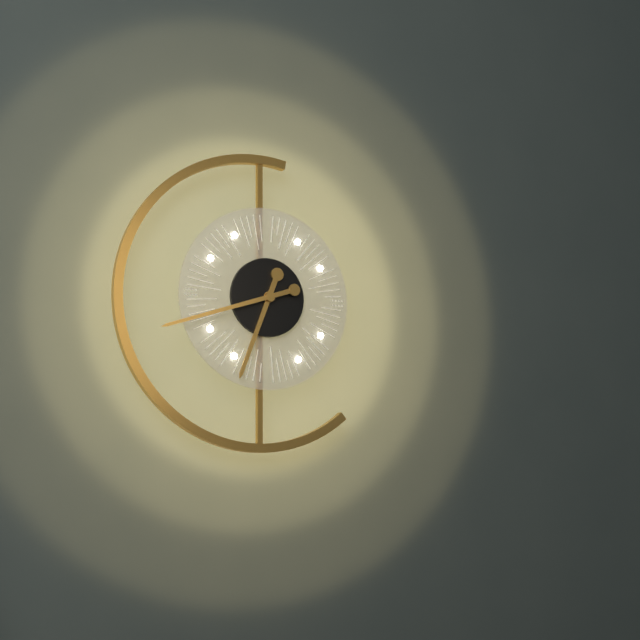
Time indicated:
**6:42**
